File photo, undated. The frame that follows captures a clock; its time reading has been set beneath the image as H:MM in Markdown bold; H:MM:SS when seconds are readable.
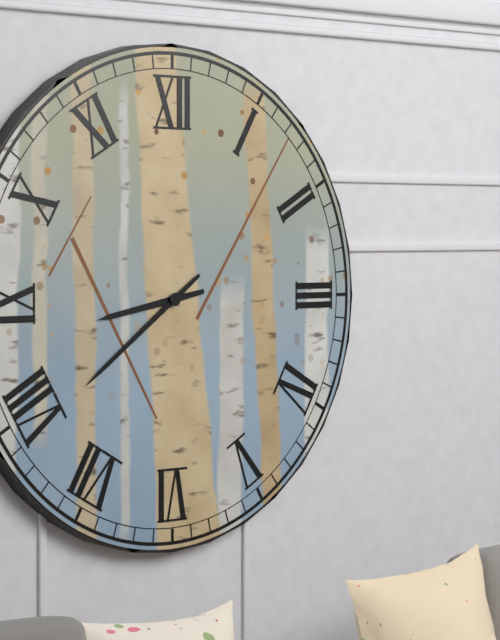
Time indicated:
**8:39**
